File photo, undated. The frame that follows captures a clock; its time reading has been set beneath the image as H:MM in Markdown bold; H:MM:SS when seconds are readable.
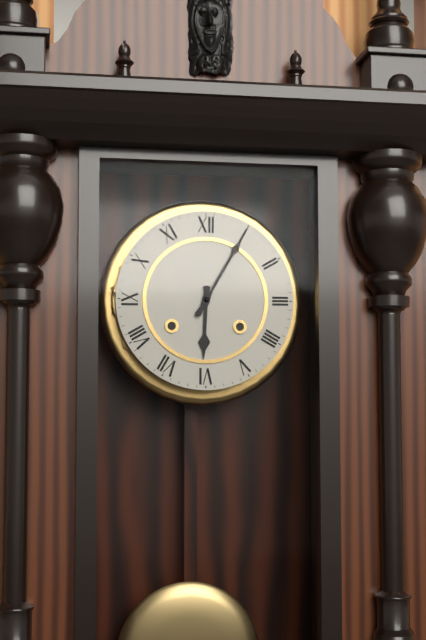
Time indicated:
**6:05**
